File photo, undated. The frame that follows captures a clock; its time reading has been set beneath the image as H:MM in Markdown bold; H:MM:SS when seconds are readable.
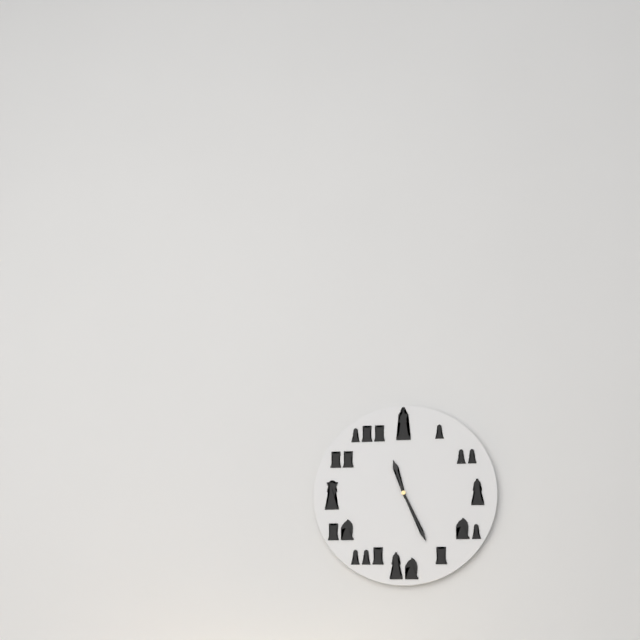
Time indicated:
**11:26**
